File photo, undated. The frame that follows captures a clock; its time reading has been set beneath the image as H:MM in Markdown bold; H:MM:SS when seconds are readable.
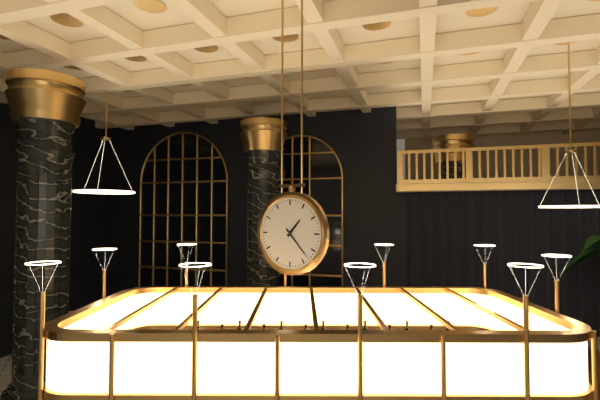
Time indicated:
**1:23**
